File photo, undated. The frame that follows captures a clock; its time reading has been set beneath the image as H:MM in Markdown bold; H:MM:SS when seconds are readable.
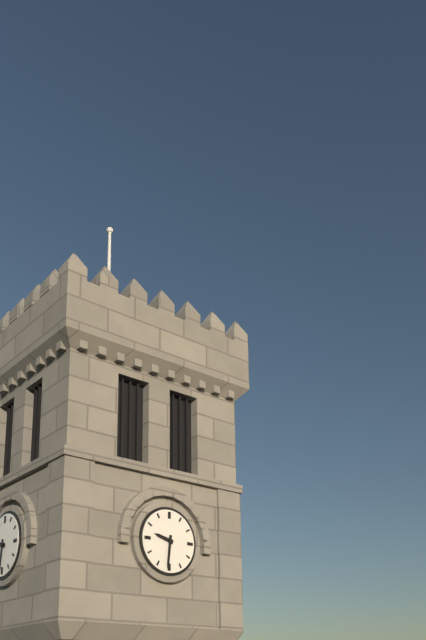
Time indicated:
**9:31**
